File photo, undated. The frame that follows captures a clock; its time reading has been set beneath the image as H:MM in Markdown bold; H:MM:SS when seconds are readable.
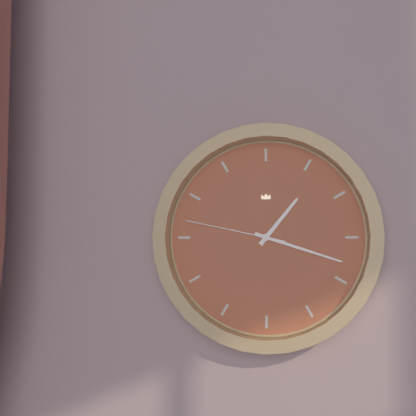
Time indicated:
**1:18:47**
